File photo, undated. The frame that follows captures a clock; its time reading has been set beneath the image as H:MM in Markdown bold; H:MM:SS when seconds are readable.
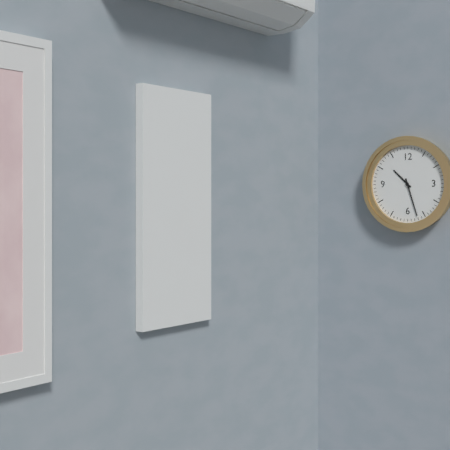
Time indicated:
**10:27**
